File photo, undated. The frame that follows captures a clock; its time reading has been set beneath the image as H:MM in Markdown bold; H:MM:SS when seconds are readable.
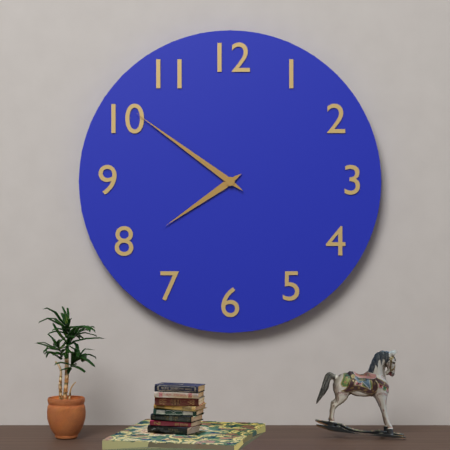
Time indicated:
**7:51**
